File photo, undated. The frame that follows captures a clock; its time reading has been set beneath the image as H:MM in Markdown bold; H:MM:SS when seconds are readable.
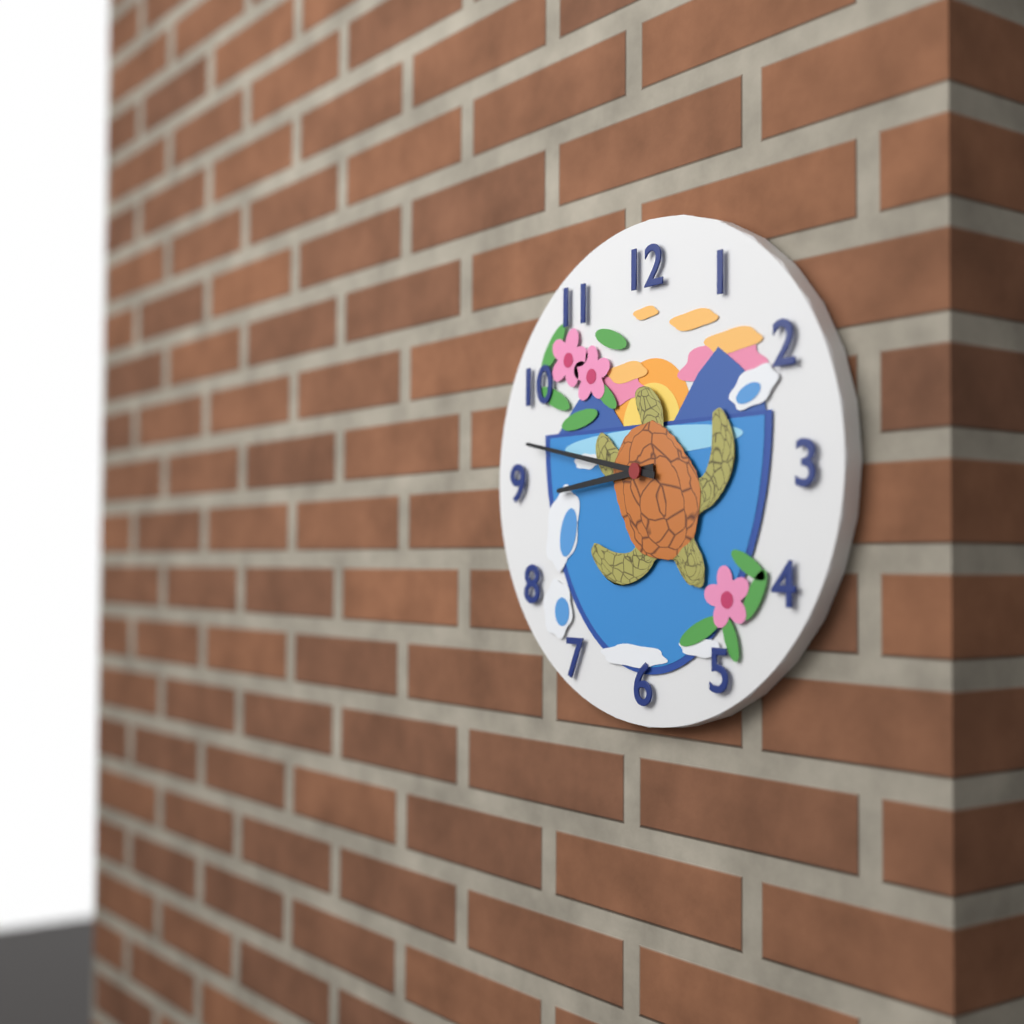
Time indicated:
**8:47**
